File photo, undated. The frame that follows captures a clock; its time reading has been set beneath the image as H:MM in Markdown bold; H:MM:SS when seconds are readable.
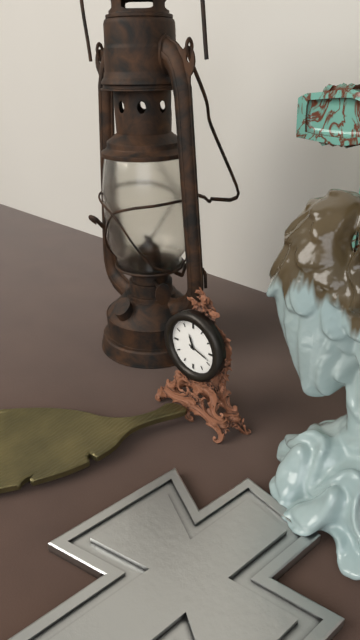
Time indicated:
**11:18**
